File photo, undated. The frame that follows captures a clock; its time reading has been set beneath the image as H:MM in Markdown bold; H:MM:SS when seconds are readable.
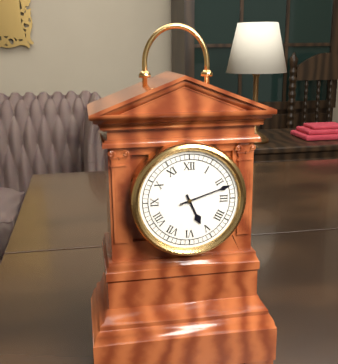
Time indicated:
**5:12**
